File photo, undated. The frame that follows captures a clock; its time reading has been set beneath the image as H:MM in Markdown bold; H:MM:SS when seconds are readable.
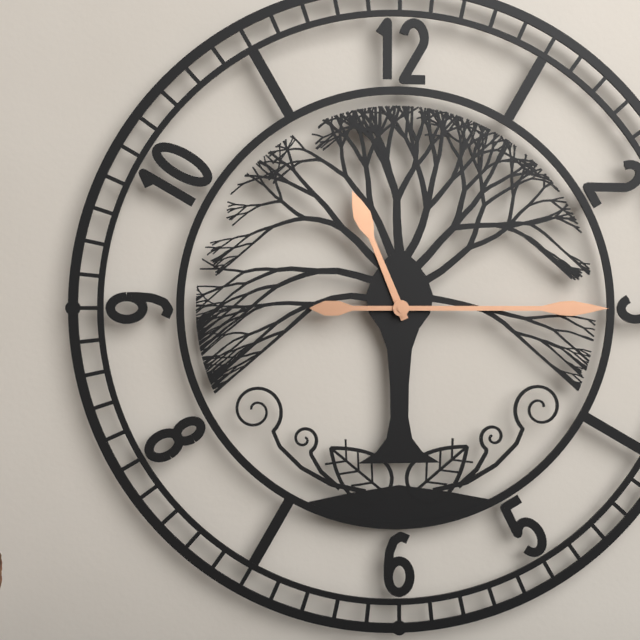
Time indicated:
**11:15**
